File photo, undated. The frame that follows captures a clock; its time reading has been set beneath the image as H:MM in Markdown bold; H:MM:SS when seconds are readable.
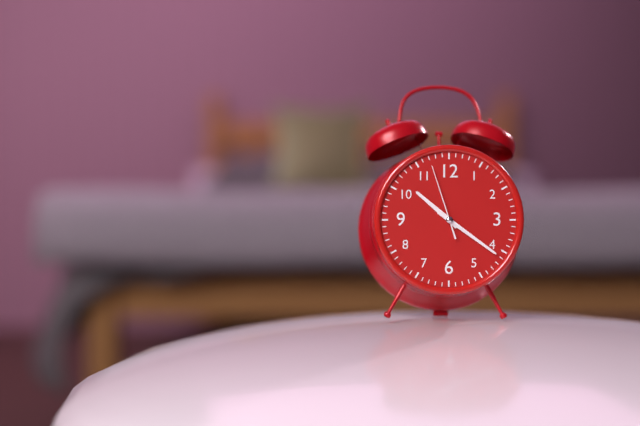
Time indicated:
**10:21:57**
